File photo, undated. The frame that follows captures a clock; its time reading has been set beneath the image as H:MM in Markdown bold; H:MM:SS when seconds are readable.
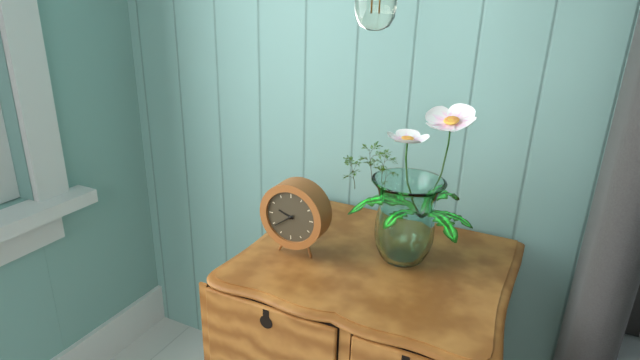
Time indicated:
**9:39**
